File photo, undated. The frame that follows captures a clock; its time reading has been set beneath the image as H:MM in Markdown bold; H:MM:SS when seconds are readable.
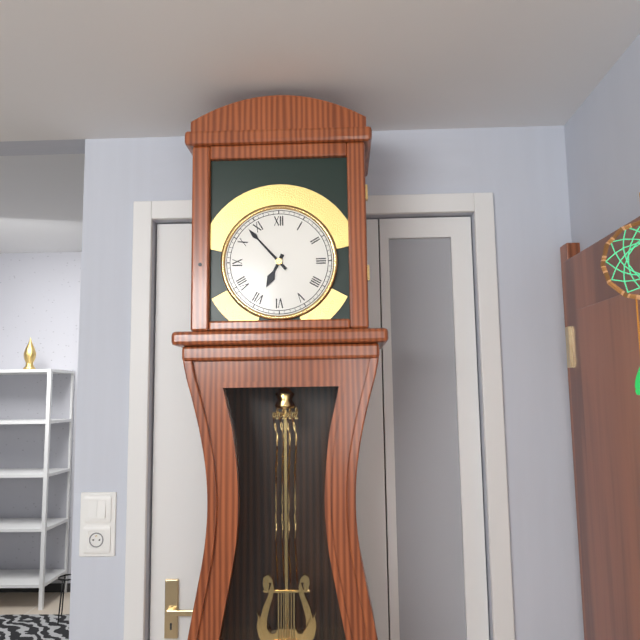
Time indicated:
**6:53**
